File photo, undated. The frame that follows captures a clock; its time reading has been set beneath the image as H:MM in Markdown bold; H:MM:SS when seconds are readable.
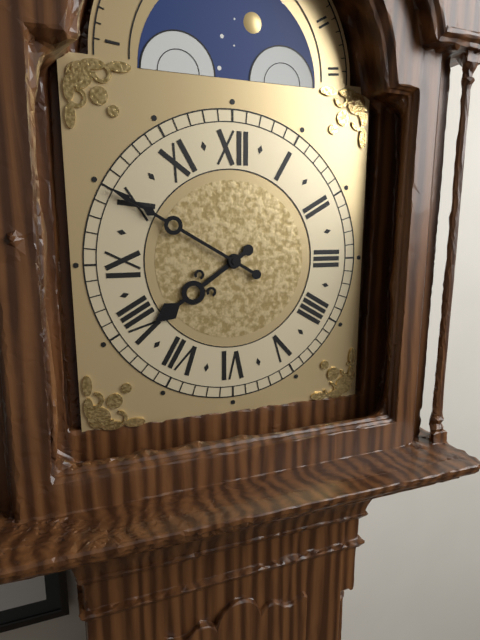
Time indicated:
**7:50**
